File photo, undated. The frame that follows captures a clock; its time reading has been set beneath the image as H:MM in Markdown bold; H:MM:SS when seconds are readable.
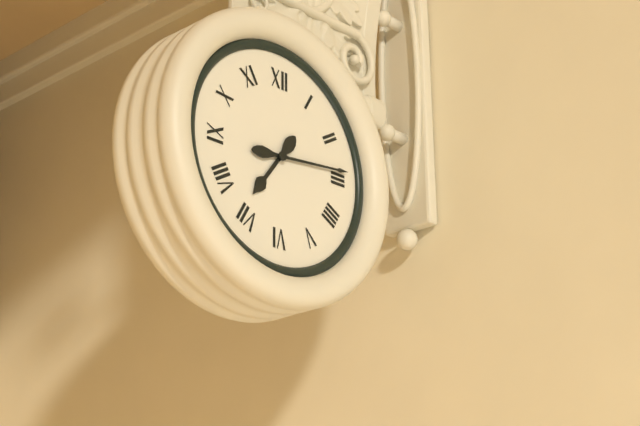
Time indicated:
**7:14**
